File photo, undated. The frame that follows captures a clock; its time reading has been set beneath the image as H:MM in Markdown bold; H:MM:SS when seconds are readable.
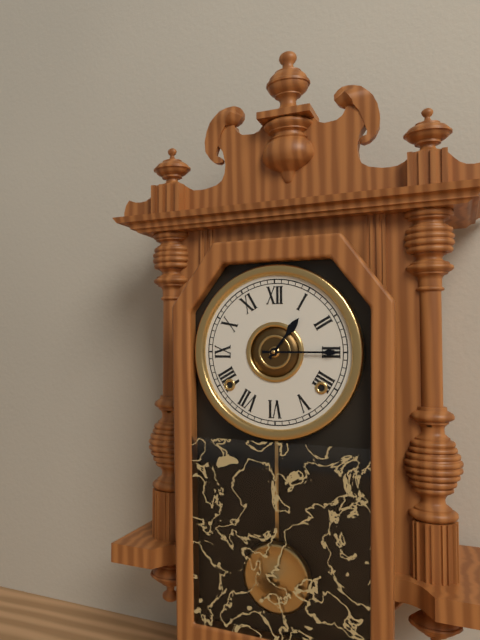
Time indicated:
**1:15**
